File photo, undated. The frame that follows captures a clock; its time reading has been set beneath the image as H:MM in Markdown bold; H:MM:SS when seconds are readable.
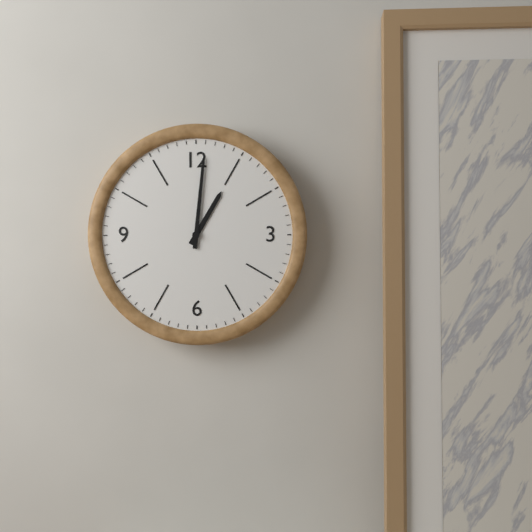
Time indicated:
**1:01**
